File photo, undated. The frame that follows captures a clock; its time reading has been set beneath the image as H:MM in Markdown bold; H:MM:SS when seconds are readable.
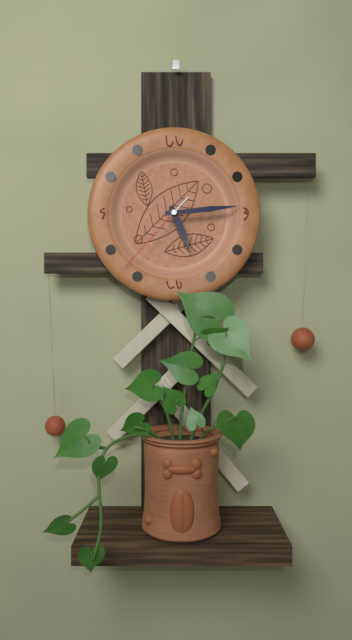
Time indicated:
**5:14:37**
